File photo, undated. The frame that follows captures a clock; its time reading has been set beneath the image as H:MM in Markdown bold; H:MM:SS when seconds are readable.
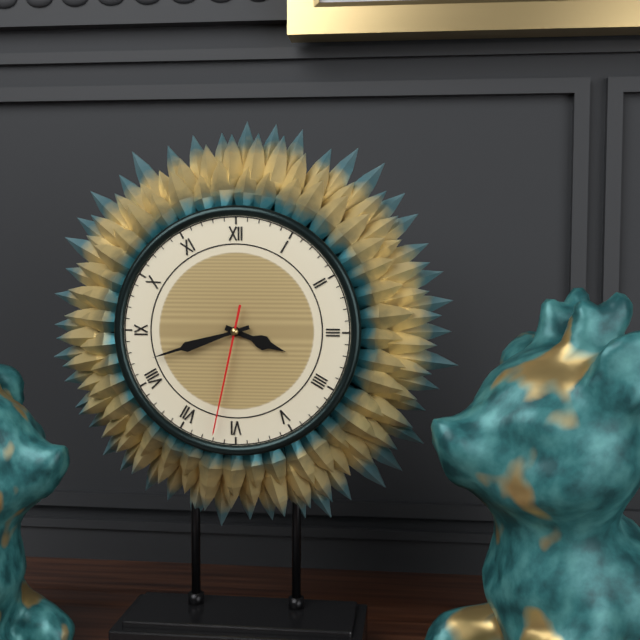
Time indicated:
**3:42:32**
